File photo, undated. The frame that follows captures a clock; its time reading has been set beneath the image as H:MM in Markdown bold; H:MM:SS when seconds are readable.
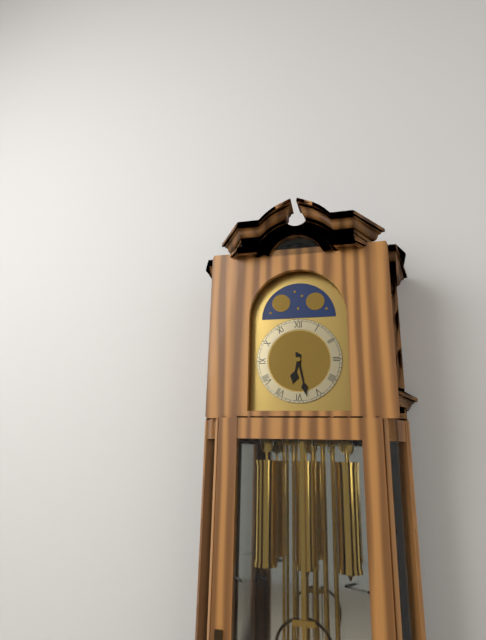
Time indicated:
**6:28**
